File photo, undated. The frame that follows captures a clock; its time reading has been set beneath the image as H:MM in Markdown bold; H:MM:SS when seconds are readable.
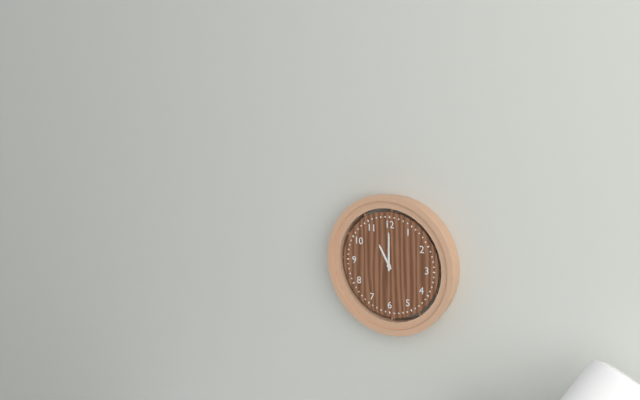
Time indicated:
**11:00**
